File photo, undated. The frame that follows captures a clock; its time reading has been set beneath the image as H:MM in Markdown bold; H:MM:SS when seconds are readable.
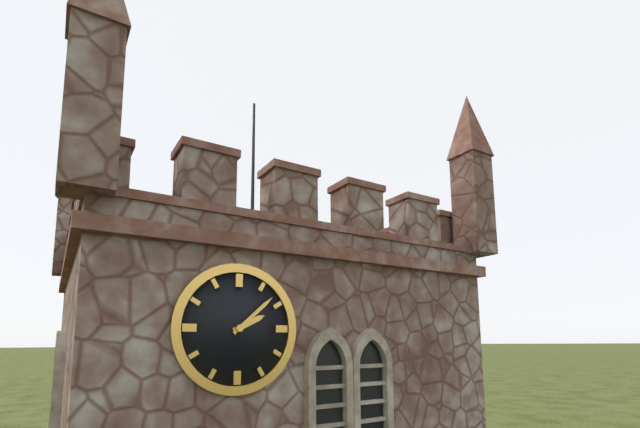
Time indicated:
**2:08**
